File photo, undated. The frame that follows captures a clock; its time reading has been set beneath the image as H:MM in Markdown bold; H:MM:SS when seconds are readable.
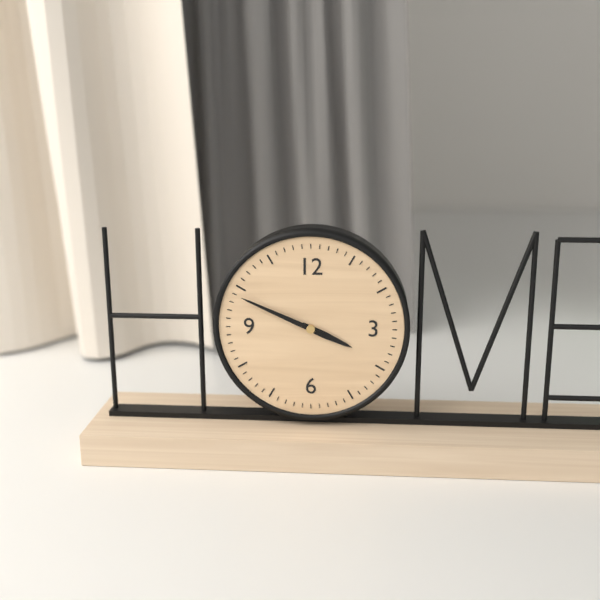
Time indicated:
**3:49**
